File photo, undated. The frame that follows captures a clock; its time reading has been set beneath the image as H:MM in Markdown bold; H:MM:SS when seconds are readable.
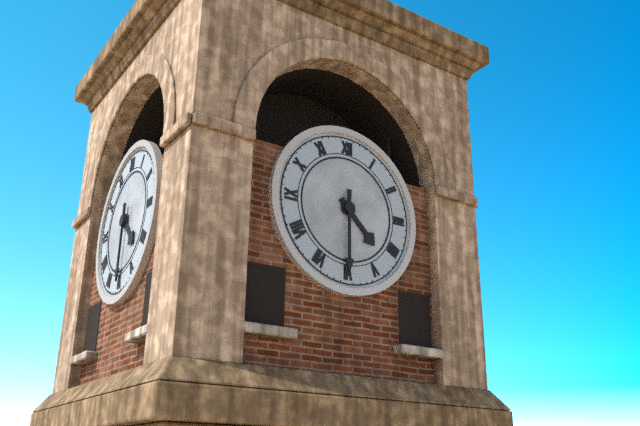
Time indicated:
**4:30**
